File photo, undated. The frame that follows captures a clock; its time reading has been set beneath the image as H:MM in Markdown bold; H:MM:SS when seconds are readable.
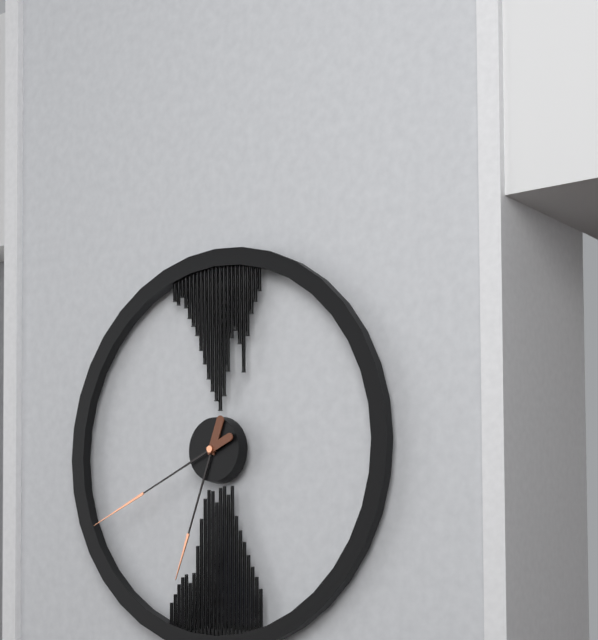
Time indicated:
**6:41**
